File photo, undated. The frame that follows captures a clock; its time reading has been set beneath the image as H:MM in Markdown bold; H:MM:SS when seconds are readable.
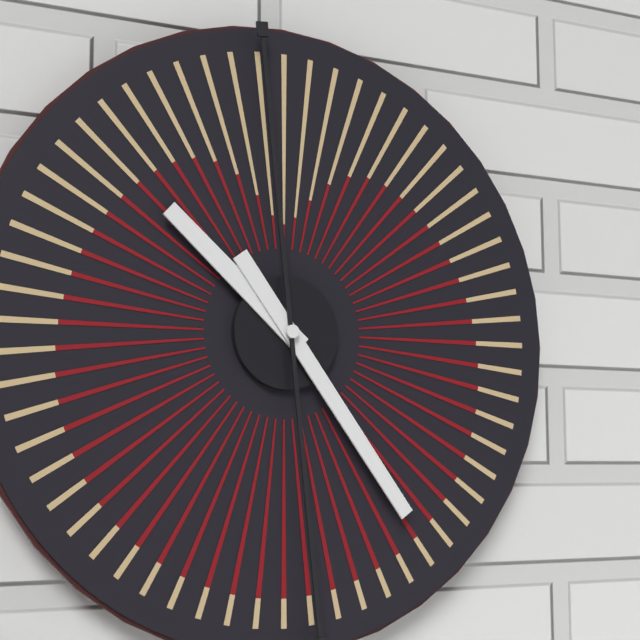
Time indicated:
**10:24**
